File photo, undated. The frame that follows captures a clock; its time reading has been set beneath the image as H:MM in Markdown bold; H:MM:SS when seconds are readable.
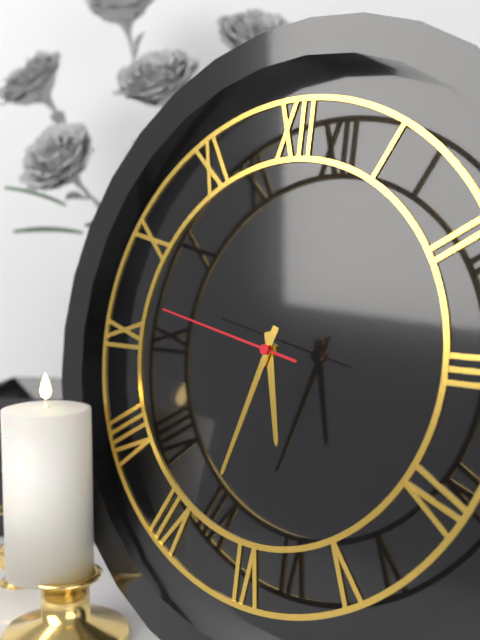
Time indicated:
**5:33:47**
